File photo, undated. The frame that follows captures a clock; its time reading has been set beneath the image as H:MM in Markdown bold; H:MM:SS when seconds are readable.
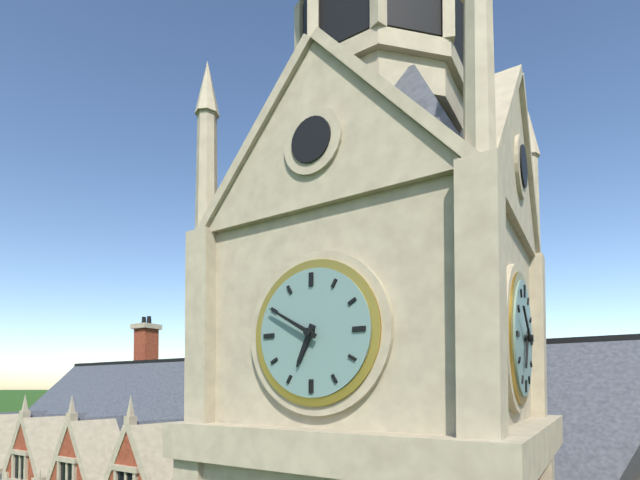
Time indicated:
**6:50**
